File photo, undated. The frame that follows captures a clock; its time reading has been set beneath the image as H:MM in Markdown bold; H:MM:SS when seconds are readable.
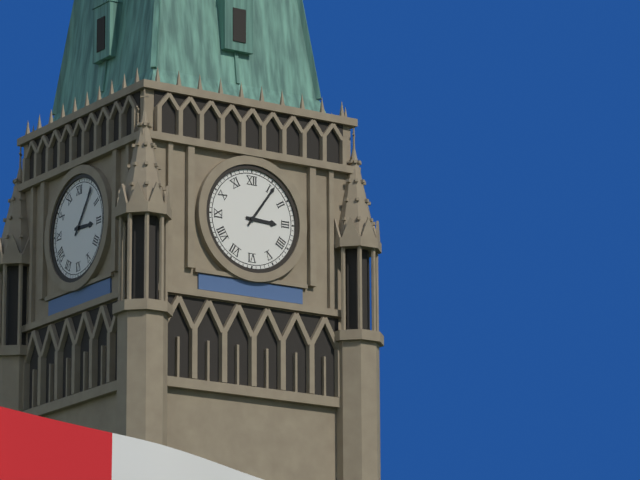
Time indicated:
**3:06**
